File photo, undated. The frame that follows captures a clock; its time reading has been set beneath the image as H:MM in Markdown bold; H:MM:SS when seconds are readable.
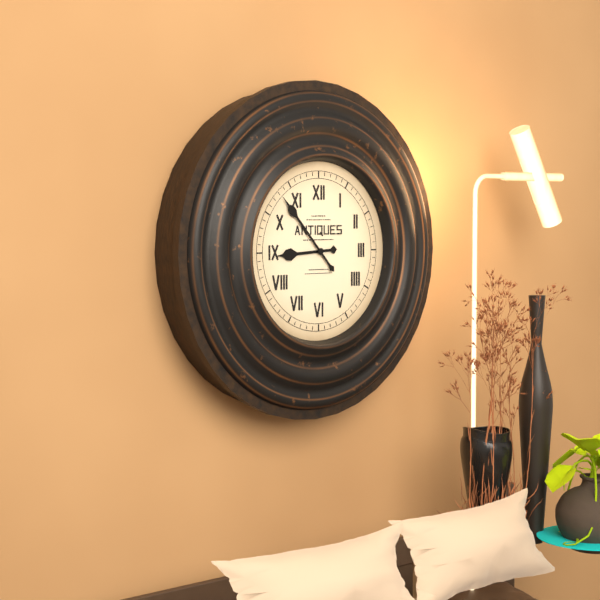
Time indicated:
**8:53**
